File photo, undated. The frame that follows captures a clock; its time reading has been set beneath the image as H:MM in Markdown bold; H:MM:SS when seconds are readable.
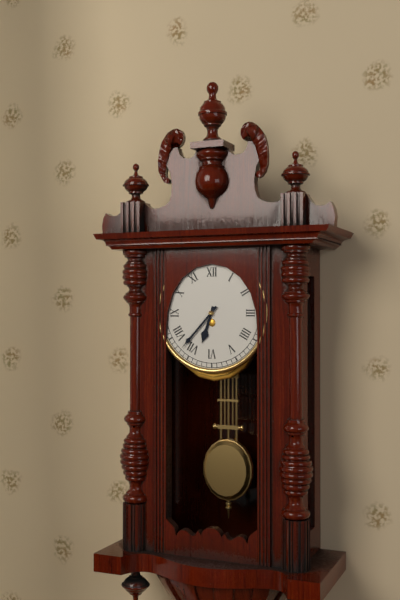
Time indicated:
**6:37**
